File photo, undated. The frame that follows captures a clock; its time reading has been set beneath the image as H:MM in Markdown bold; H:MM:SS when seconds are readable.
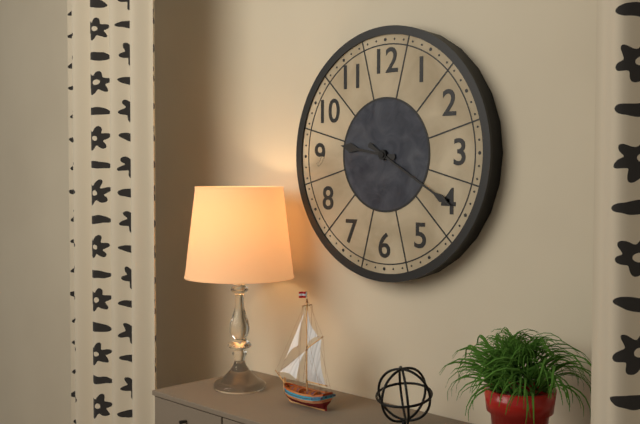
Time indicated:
**9:20**
